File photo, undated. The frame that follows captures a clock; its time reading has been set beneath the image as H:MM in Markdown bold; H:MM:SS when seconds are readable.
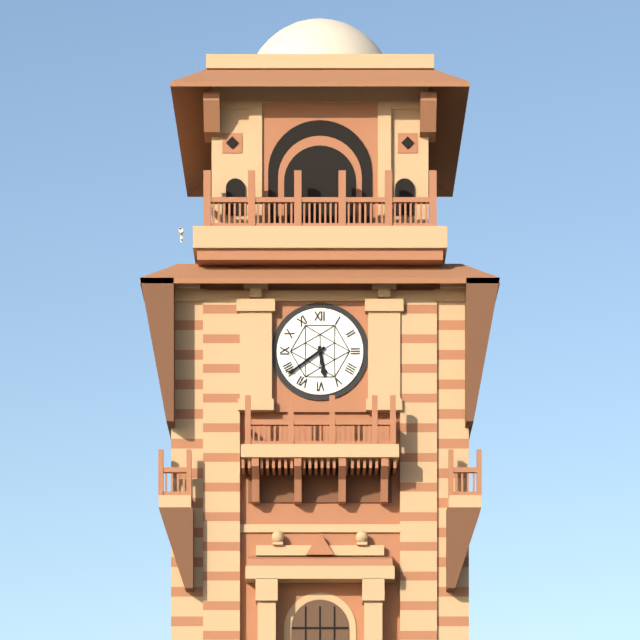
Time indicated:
**5:39**
